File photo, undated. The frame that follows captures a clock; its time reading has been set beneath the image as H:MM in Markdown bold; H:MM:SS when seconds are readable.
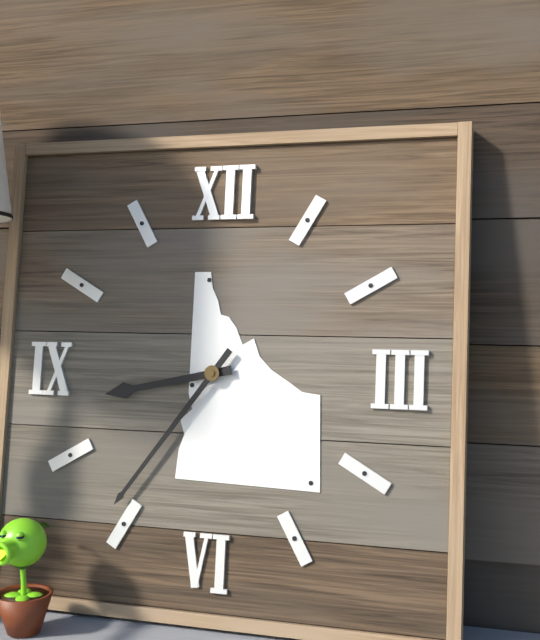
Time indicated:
**8:36**
